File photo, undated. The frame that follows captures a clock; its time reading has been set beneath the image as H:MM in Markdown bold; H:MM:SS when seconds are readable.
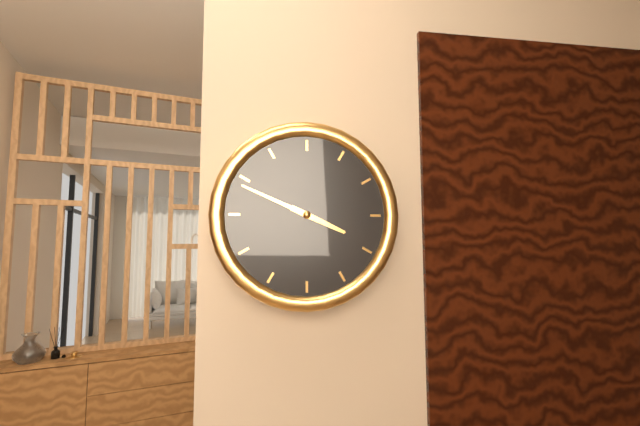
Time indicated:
**3:49**
